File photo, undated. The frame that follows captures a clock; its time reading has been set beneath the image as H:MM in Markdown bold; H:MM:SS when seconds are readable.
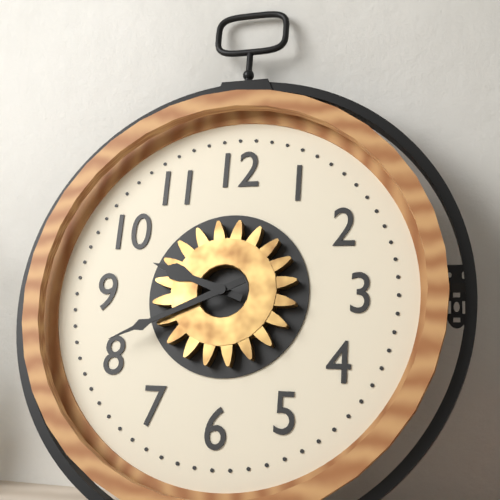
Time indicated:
**9:41**
